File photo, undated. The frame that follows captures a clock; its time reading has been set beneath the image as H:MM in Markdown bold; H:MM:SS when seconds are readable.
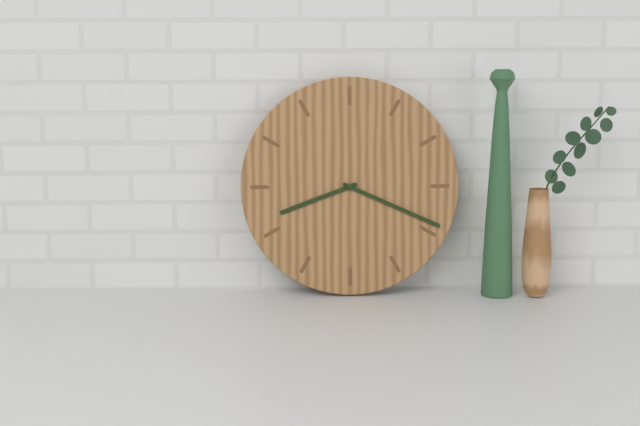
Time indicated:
**8:19**
